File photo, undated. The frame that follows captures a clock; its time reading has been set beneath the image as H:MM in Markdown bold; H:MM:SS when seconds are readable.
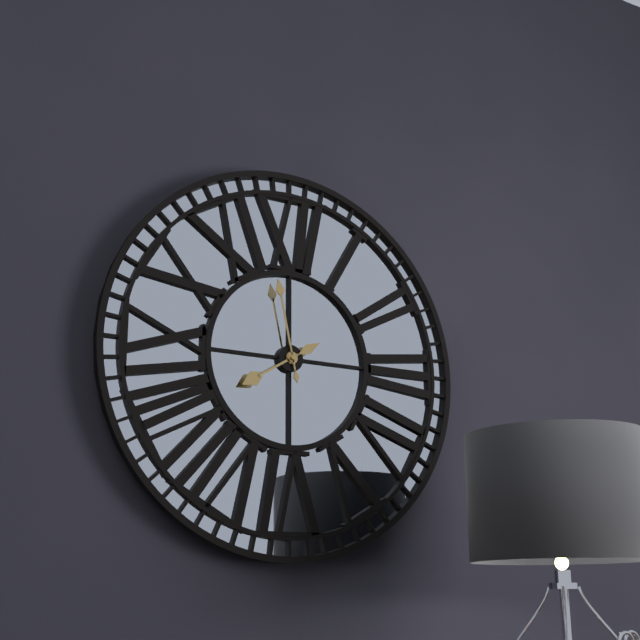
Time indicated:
**7:58**
